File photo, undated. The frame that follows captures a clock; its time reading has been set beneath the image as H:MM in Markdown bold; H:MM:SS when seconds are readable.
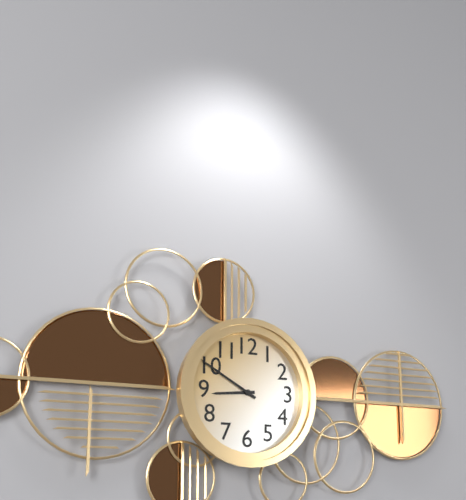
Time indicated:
**8:50**
